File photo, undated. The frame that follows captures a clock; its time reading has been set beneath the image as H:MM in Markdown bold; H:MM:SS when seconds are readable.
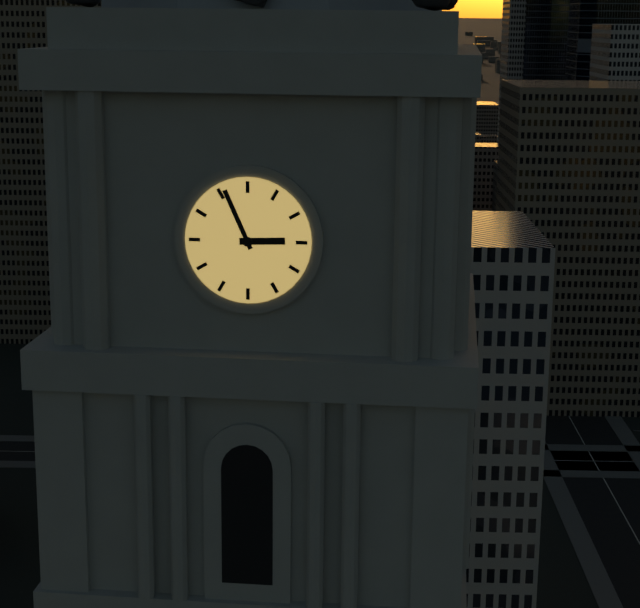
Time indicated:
**2:56**
